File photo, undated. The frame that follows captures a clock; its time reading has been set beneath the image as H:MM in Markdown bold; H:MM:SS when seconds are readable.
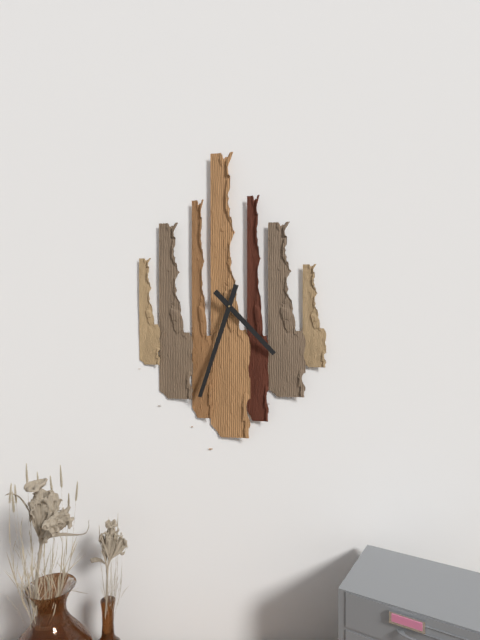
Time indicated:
**4:33**
